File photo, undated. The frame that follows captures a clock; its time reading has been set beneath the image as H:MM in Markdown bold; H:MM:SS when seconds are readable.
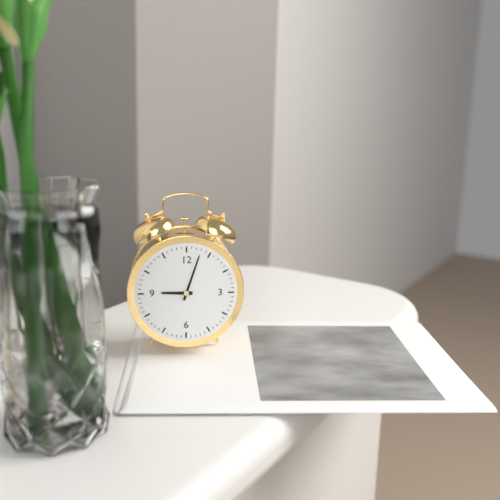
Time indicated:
**9:03**
